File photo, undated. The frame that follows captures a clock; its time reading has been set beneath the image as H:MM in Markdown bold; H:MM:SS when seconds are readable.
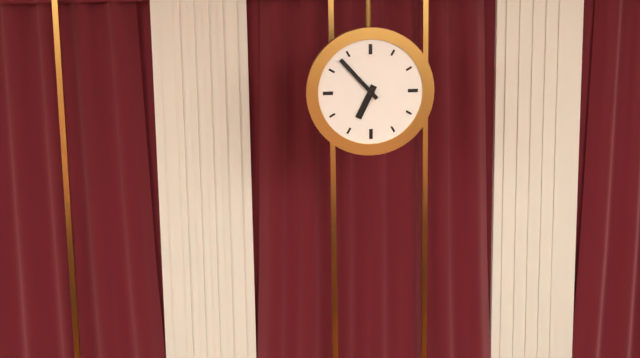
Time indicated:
**6:53**
